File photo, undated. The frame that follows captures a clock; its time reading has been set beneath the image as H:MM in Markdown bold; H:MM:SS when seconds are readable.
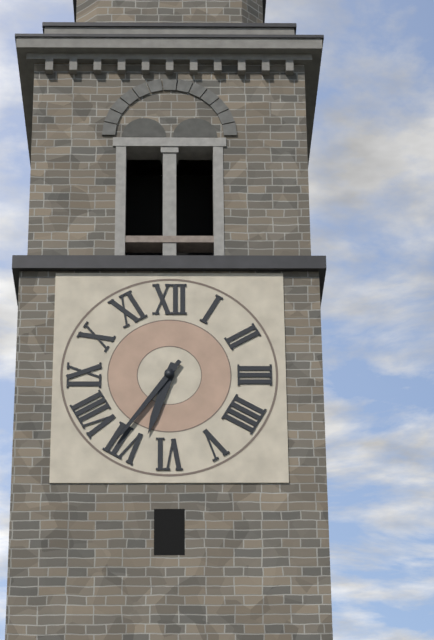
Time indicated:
**6:36**
